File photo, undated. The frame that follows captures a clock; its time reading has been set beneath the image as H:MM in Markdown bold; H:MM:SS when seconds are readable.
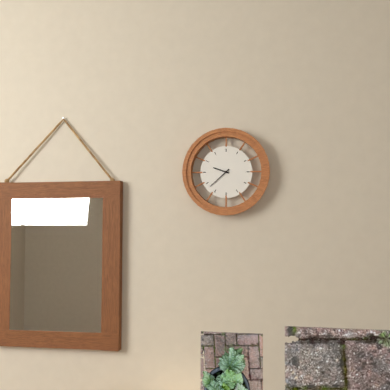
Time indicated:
**9:38**
